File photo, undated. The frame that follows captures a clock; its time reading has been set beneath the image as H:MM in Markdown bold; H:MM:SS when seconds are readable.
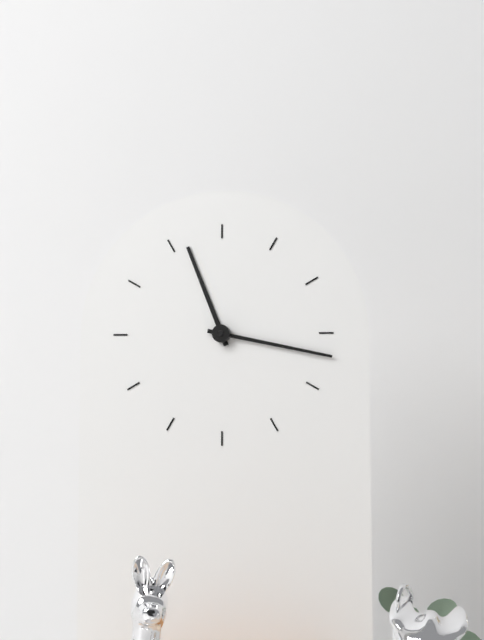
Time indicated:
**11:17**
